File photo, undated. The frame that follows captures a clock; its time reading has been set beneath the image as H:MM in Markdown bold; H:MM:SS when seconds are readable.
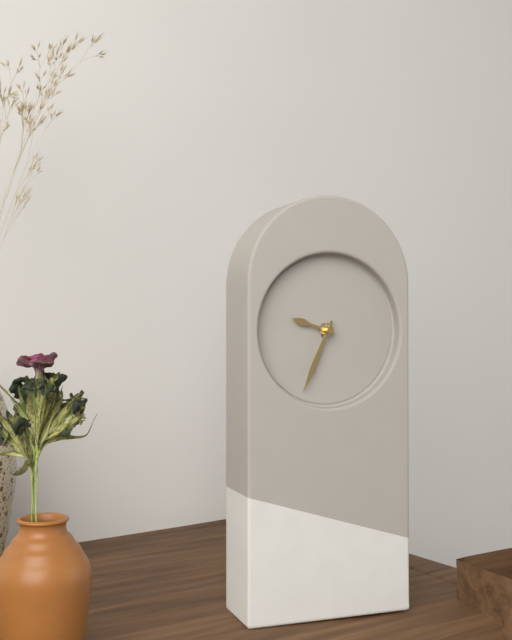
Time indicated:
**9:34**
